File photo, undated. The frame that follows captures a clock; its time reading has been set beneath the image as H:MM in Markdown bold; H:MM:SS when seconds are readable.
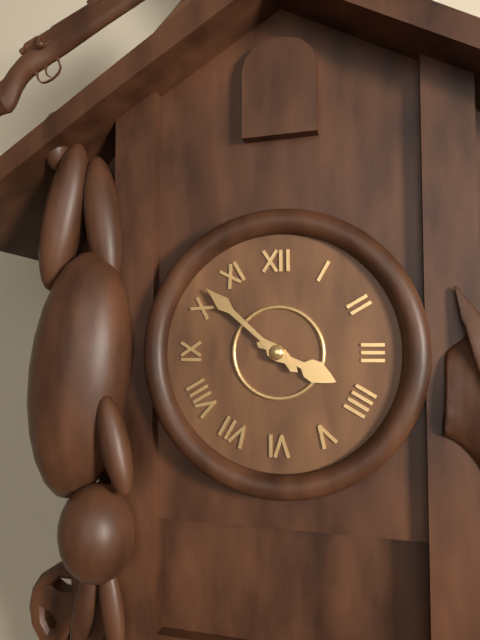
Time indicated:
**3:52**
